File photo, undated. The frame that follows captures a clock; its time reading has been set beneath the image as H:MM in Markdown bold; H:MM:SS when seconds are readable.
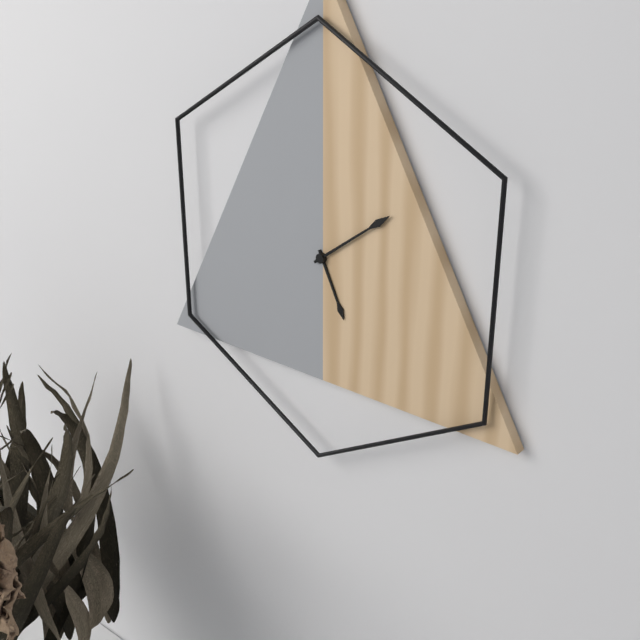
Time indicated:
**5:09**
